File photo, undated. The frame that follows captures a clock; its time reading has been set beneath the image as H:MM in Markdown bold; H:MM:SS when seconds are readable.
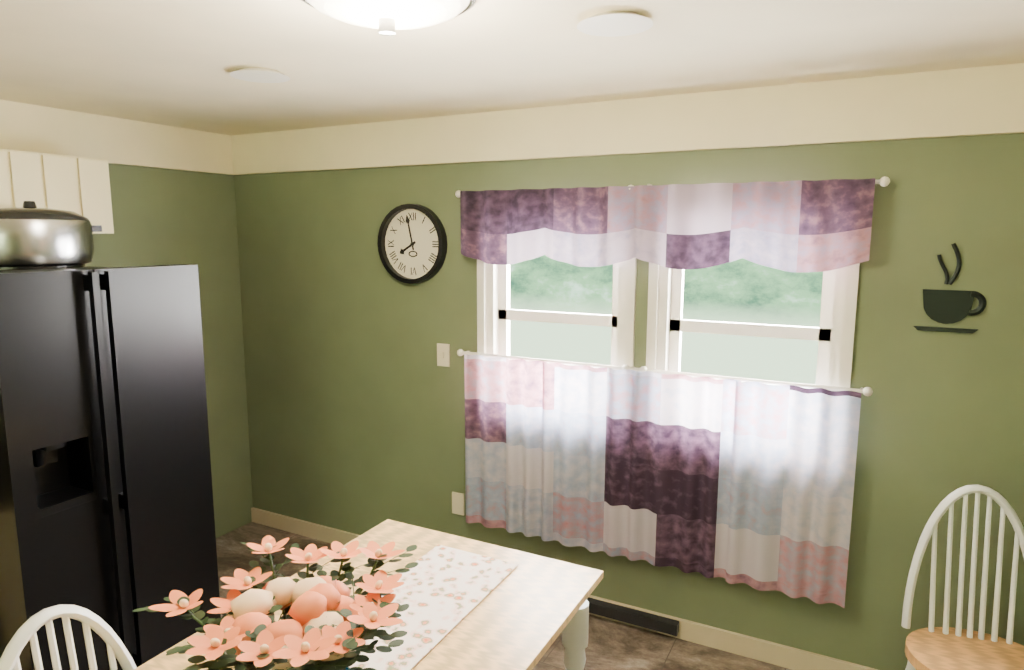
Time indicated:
**7:58**
